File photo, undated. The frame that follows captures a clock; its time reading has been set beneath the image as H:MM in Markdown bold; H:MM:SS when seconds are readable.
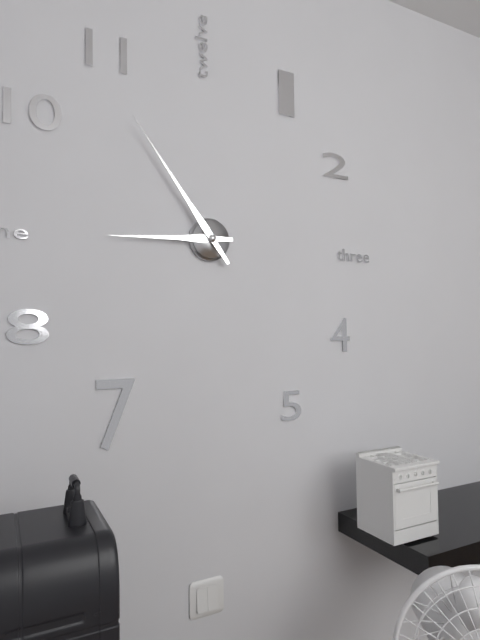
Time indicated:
**8:54**
